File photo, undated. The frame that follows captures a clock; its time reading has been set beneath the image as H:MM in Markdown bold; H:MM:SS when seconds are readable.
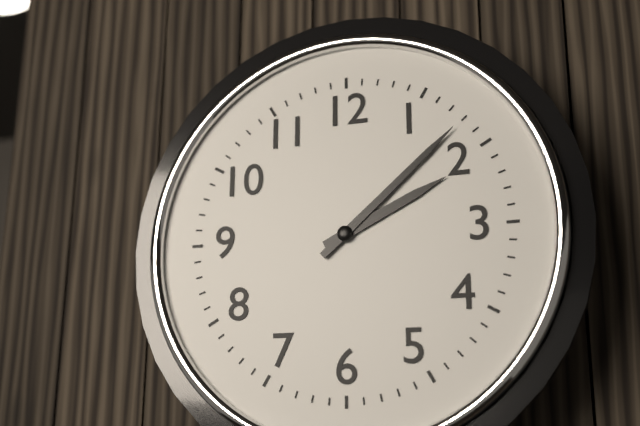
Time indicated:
**2:08**
